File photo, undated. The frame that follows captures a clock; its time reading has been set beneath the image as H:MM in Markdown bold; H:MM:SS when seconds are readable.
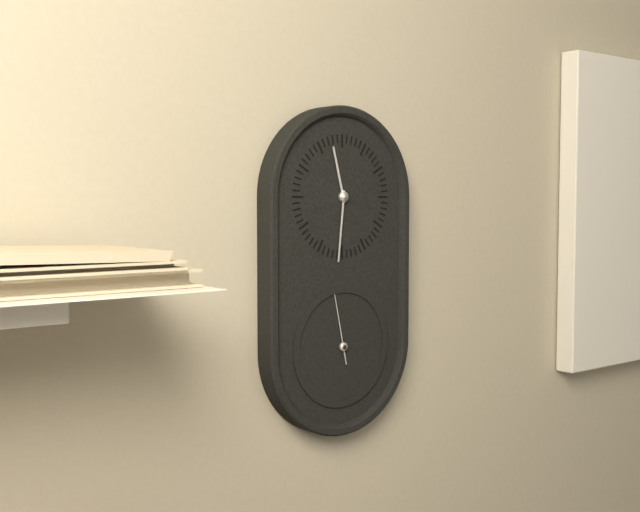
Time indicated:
**11:31:58**
